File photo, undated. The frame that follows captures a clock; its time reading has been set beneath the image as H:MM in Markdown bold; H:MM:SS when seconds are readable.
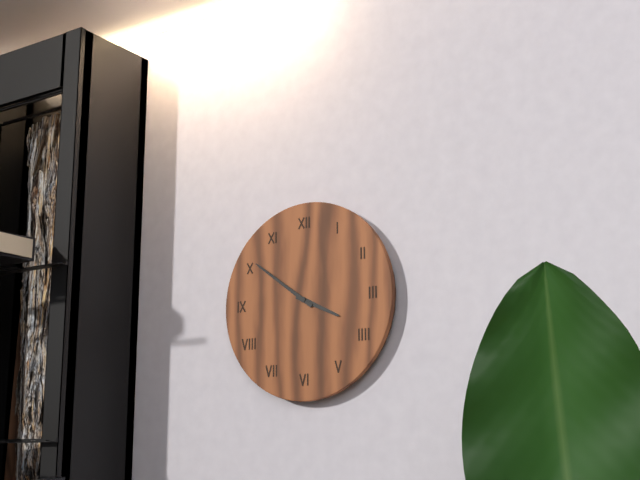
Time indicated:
**3:51**
